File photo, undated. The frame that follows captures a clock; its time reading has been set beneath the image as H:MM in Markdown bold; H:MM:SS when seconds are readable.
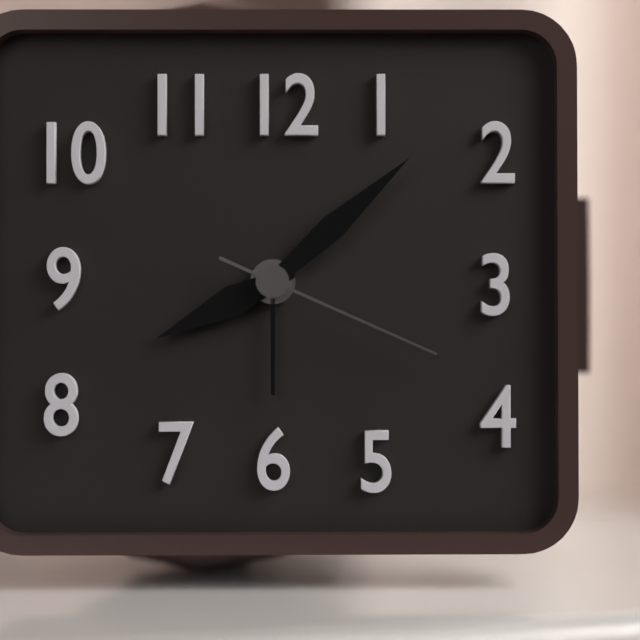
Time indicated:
**8:08:19**
